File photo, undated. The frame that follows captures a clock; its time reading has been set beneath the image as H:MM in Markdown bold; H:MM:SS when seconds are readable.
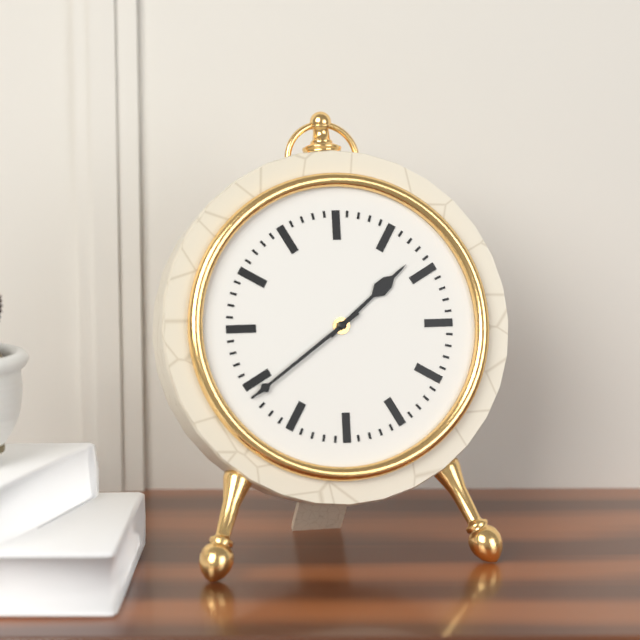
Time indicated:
**1:39**
